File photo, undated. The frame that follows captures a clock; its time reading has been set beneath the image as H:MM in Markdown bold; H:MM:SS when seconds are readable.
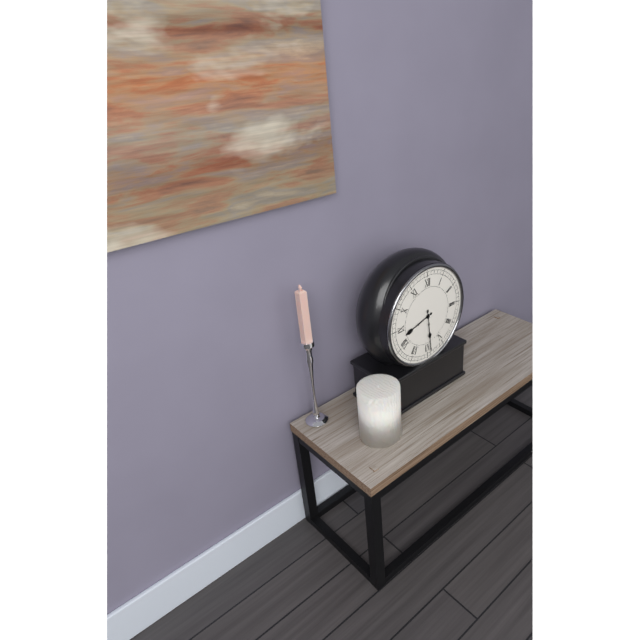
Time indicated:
**8:29**
